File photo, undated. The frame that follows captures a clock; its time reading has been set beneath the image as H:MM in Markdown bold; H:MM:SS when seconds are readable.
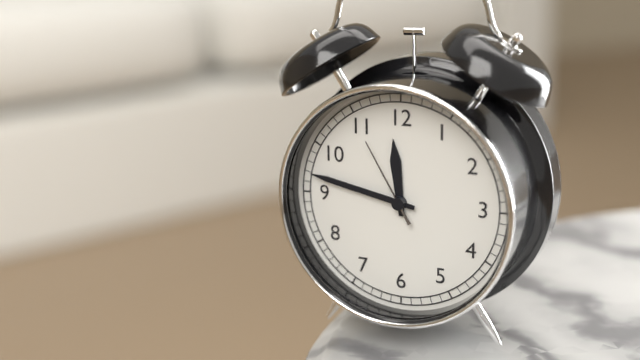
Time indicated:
**11:47:55**
